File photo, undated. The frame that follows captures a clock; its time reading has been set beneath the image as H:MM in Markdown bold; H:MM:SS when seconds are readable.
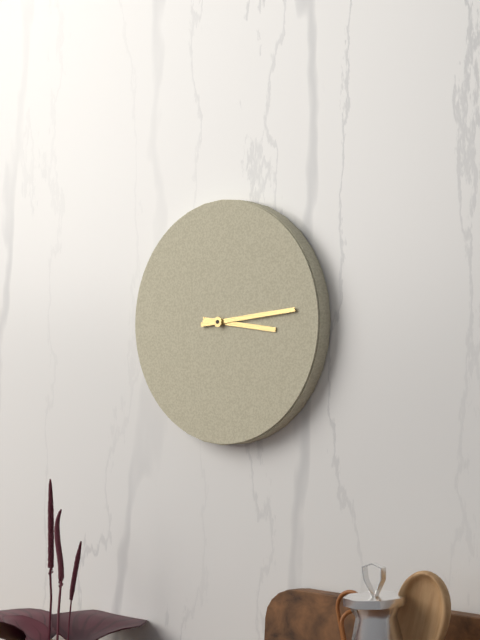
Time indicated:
**3:14**
